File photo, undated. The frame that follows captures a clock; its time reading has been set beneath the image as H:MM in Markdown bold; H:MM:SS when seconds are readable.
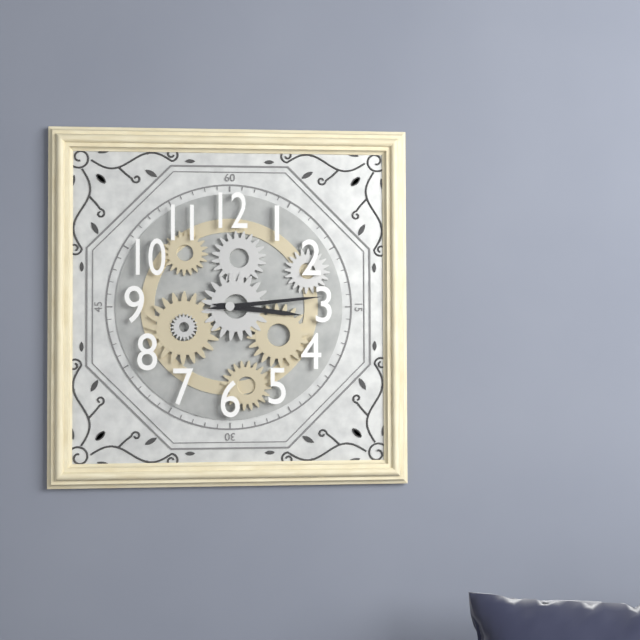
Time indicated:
**3:14**
